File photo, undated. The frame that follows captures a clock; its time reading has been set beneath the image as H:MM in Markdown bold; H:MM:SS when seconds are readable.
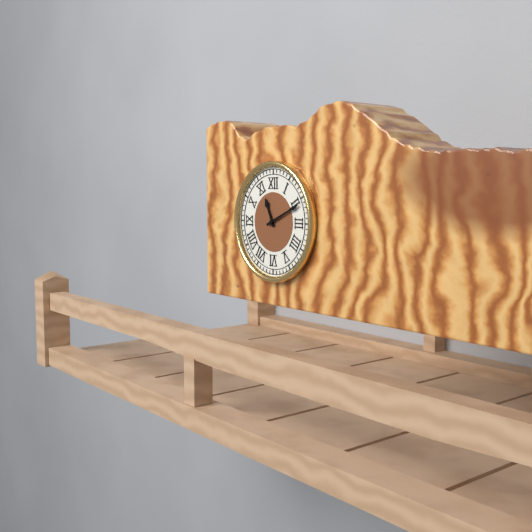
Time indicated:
**11:11**
